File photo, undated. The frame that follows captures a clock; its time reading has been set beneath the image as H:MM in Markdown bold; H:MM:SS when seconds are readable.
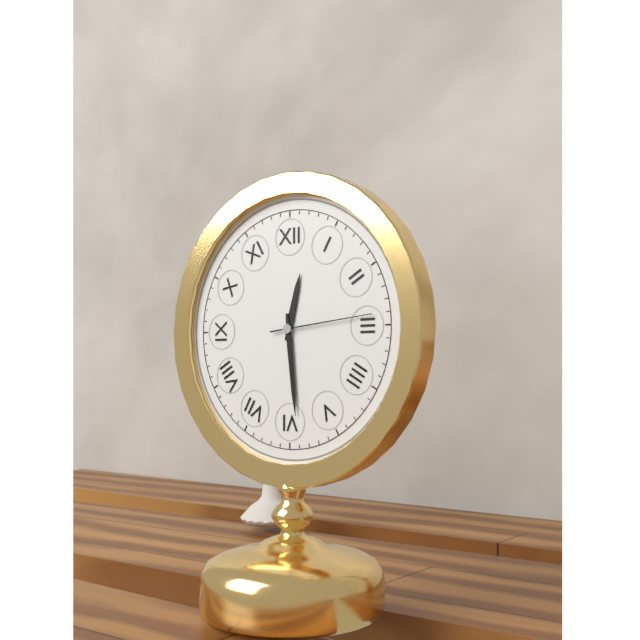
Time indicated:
**12:29:14**
